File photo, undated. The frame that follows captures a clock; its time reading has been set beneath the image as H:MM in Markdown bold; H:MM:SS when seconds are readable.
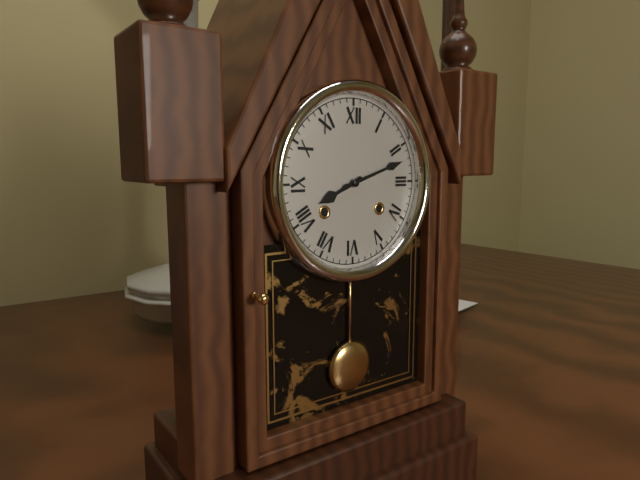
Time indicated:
**8:12**
